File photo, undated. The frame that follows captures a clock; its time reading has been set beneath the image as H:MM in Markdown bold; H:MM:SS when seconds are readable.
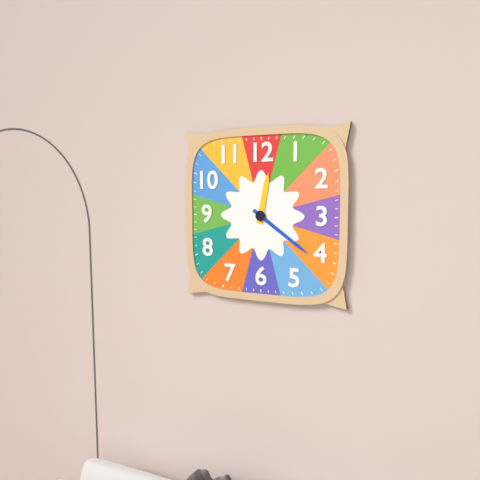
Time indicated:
**12:21**
